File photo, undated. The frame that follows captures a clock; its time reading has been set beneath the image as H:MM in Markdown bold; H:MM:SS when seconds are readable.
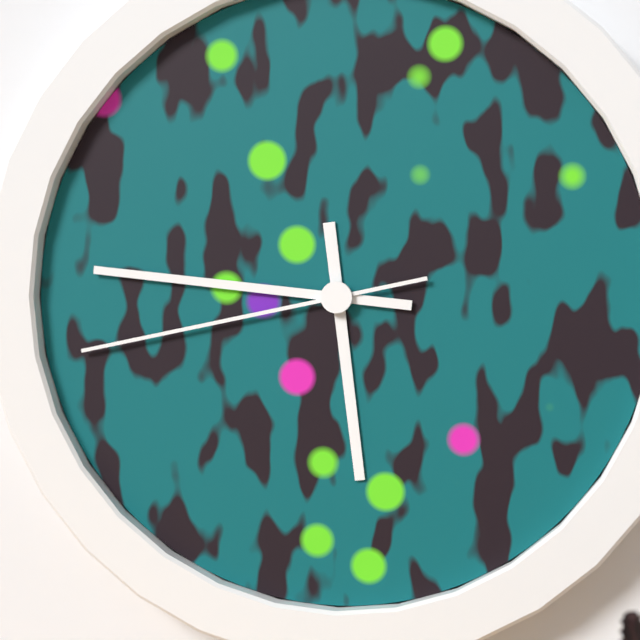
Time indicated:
**5:46:43**
